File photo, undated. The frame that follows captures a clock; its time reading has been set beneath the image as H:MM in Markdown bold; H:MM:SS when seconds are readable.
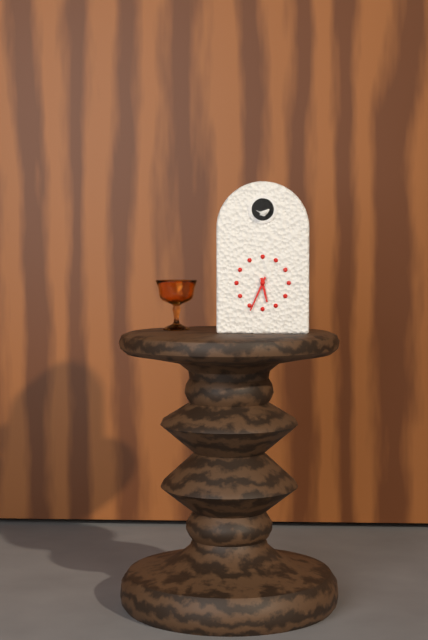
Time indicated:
**5:34**
